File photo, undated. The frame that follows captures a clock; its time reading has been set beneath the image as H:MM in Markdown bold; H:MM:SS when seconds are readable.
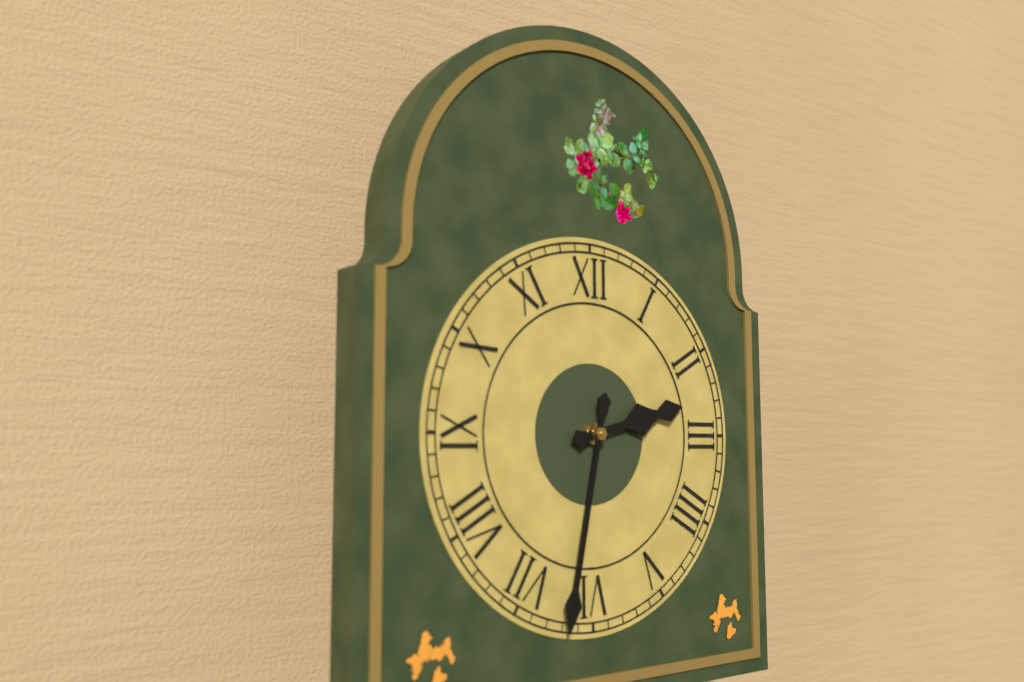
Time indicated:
**2:32**
